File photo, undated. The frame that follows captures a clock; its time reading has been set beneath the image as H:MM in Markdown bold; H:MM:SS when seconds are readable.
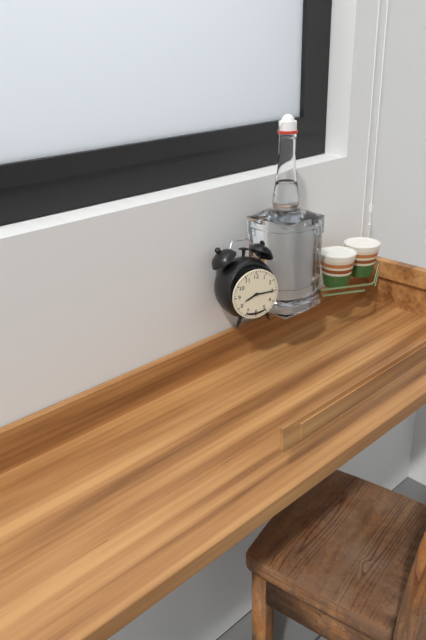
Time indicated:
**8:15**
